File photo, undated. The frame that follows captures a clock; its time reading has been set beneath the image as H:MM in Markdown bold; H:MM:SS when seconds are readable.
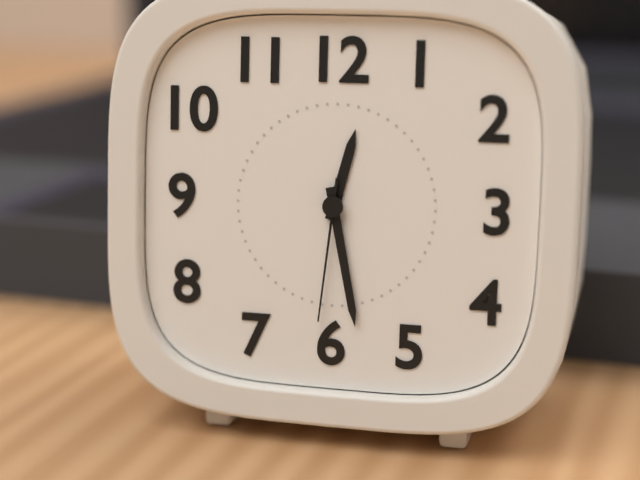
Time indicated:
**12:28:31**
